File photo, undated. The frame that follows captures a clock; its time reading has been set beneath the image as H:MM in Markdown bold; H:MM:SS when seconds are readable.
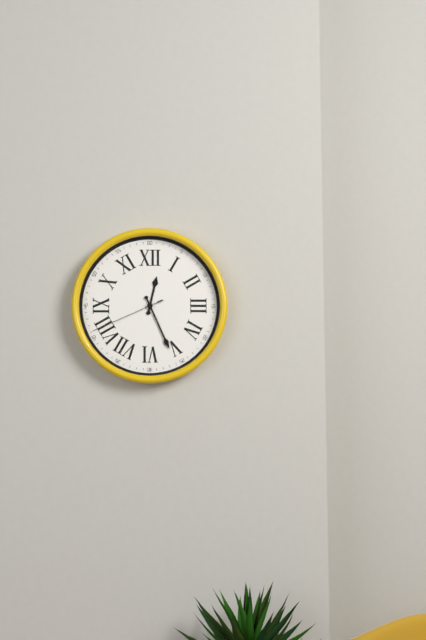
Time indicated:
**12:26:41**
